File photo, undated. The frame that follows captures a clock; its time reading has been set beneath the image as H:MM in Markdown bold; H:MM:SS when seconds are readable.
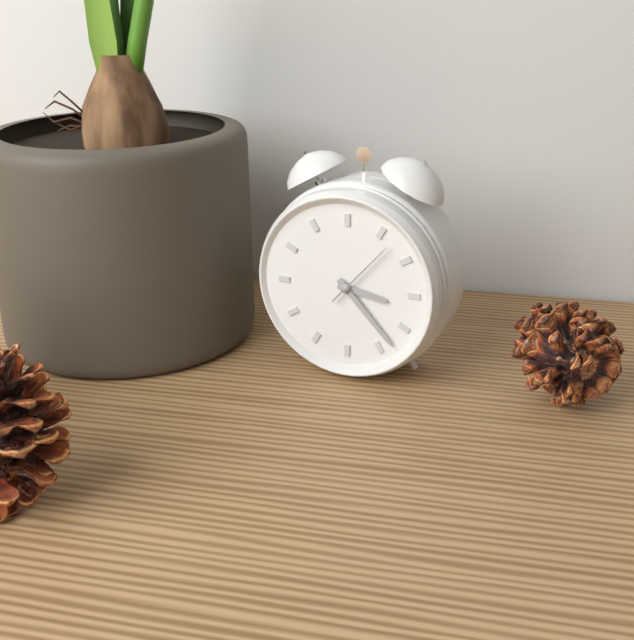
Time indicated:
**3:23:07**
